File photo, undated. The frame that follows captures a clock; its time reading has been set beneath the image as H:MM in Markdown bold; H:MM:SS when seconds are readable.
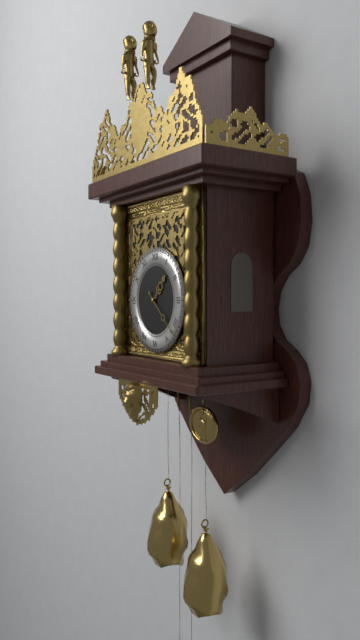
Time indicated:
**1:22**
